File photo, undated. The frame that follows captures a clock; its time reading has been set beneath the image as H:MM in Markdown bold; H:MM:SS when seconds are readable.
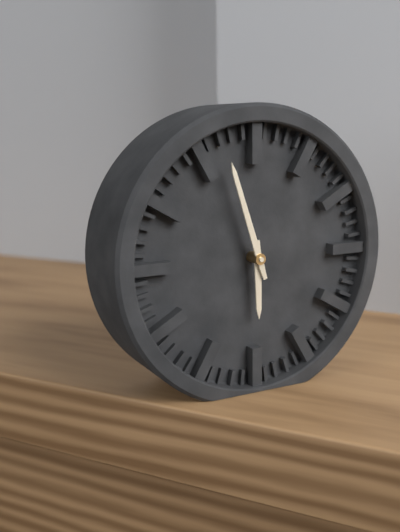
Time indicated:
**5:57**
